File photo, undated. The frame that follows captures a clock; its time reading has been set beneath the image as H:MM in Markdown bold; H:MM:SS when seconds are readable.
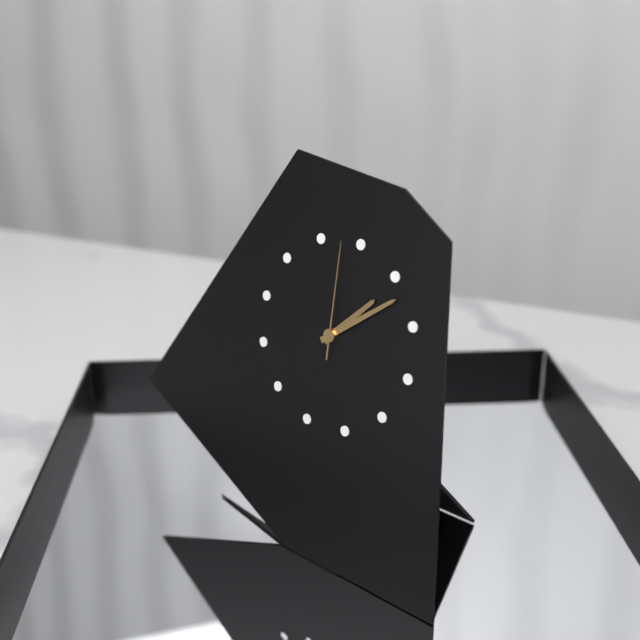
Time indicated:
**1:07:58**
